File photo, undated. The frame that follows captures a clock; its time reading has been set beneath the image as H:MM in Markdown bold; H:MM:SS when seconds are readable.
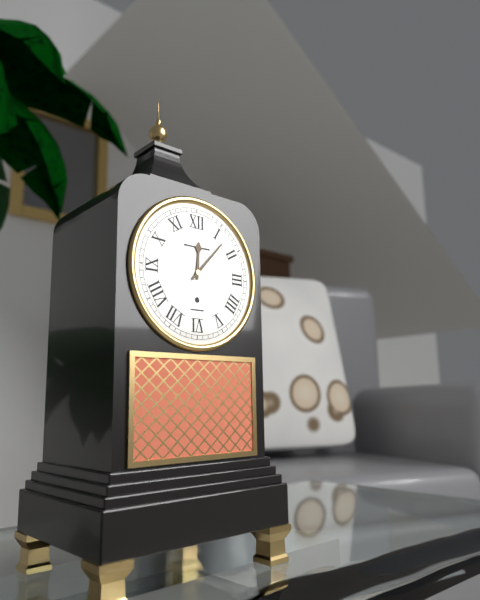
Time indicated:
**12:07**
